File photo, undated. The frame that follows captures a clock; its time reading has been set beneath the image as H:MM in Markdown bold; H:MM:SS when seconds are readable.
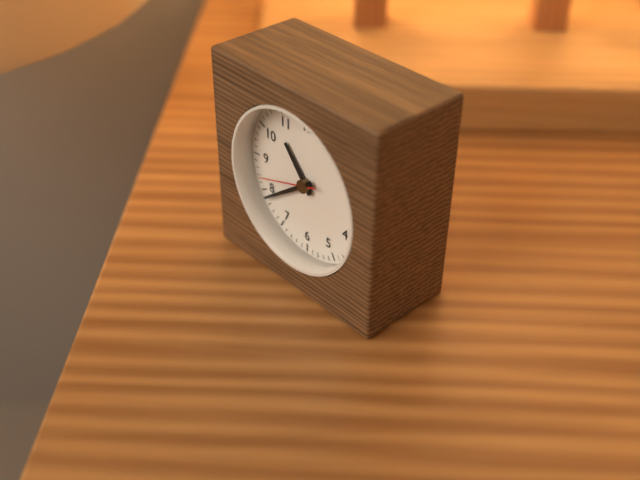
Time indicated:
**10:39:42**
